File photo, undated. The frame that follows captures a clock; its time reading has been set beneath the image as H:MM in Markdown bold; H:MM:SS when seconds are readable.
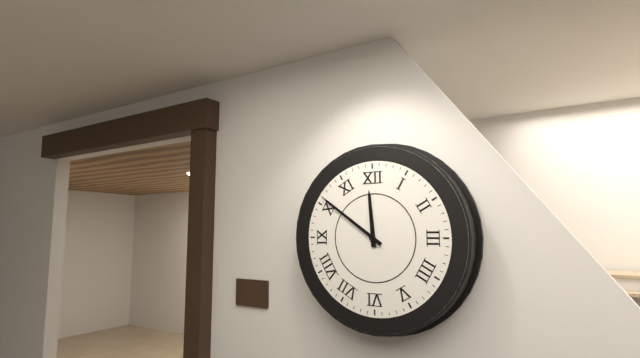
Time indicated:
**11:51**
